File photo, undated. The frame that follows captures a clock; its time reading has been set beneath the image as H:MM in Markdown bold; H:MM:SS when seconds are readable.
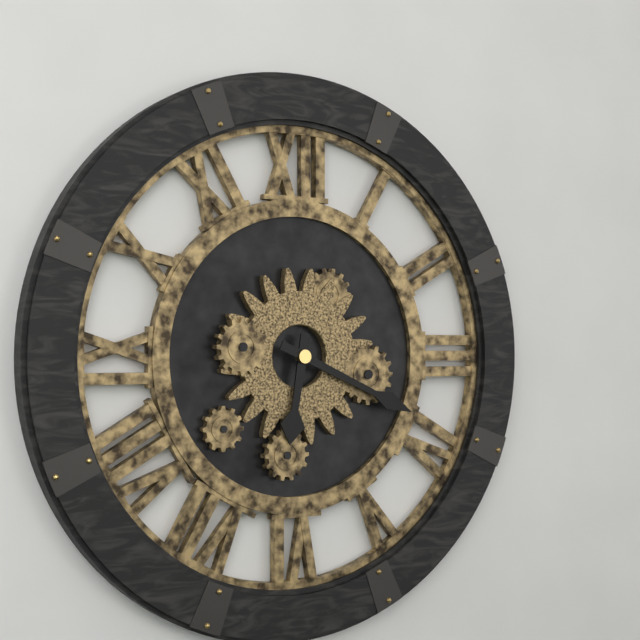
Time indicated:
**6:19**
